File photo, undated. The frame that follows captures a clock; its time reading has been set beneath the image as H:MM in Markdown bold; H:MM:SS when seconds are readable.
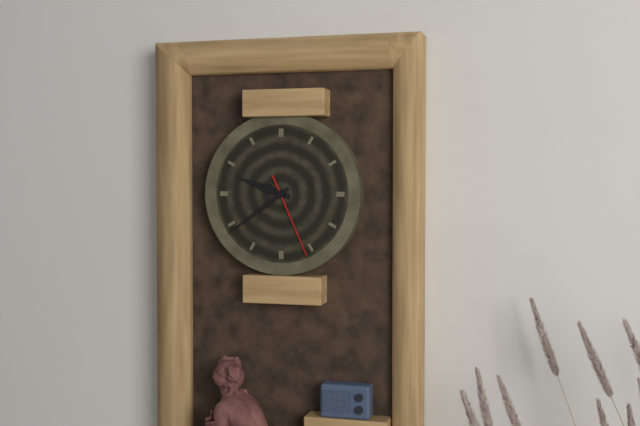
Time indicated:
**9:39:26**
